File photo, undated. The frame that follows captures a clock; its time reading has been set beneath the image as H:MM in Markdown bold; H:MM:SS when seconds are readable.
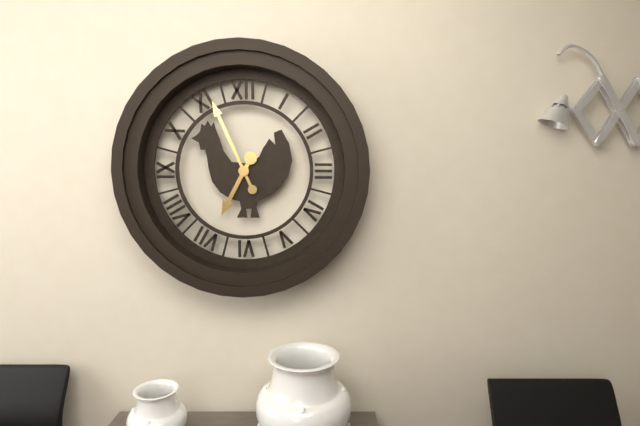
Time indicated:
**6:56**
